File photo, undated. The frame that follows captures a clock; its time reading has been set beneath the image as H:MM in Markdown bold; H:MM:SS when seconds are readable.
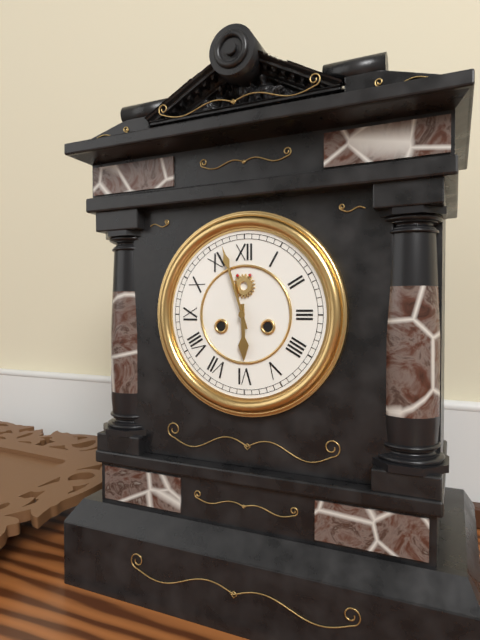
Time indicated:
**5:57**
